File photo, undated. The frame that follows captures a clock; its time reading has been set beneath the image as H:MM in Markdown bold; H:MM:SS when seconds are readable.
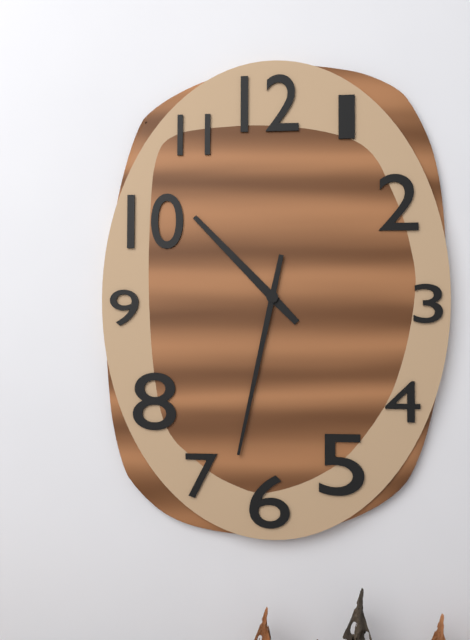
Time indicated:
**10:32**
